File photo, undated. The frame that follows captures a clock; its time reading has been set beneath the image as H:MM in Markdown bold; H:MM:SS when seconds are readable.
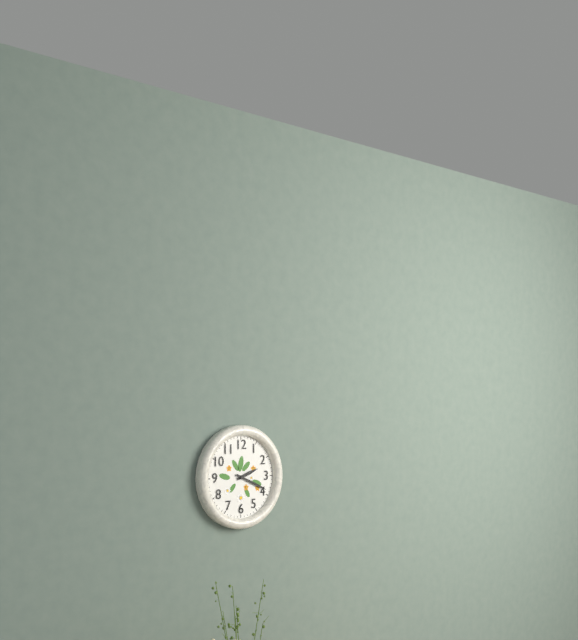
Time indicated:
**2:19**
